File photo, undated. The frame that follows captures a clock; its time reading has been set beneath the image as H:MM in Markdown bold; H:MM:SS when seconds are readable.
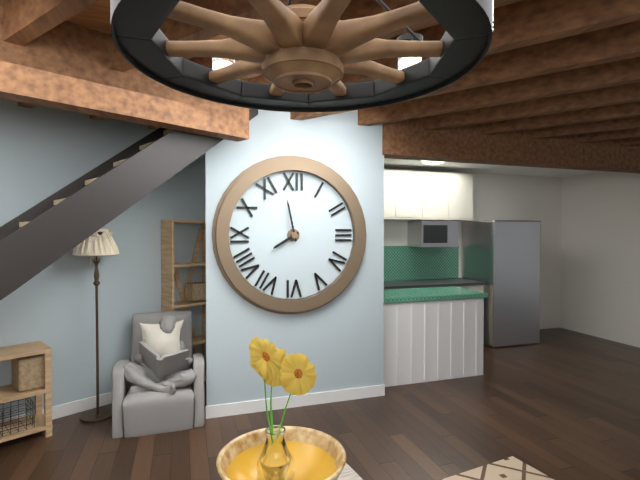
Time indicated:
**7:58**
